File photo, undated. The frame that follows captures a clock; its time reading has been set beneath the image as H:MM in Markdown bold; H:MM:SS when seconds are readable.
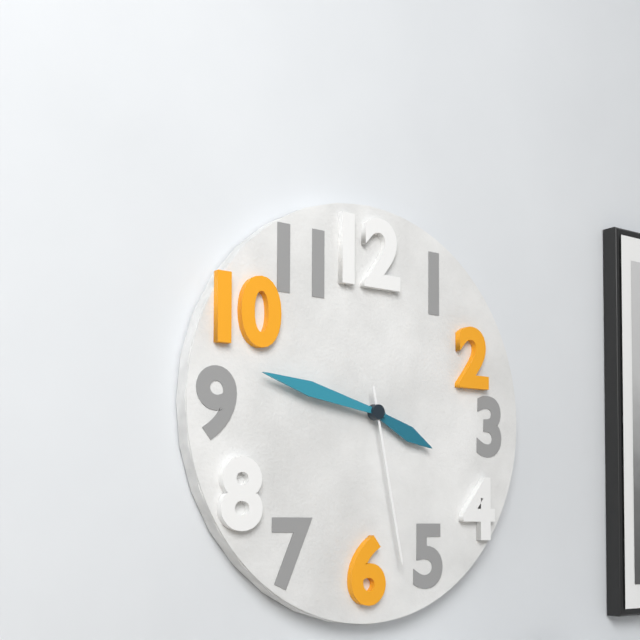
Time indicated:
**3:47:28**
